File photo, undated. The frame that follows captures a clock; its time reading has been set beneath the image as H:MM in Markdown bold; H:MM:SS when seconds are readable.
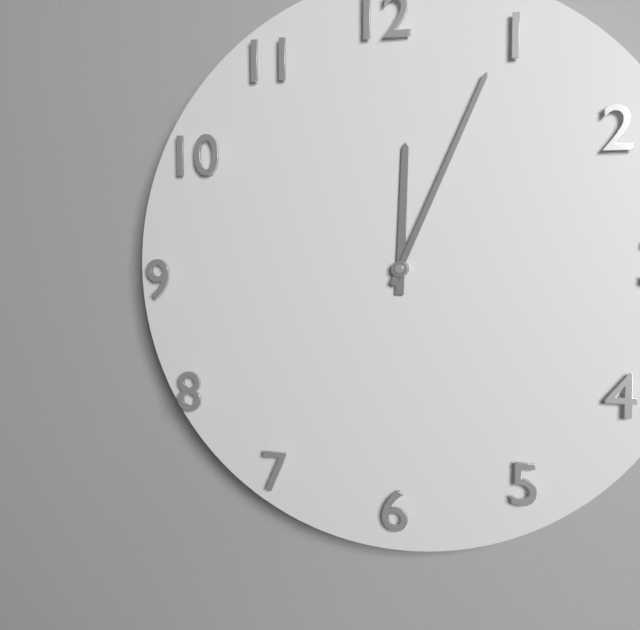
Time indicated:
**12:04**
